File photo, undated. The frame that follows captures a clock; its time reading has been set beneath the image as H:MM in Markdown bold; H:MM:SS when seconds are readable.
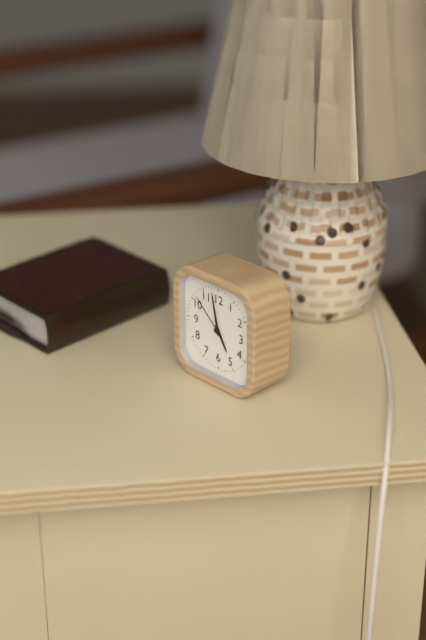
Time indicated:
**4:58**
